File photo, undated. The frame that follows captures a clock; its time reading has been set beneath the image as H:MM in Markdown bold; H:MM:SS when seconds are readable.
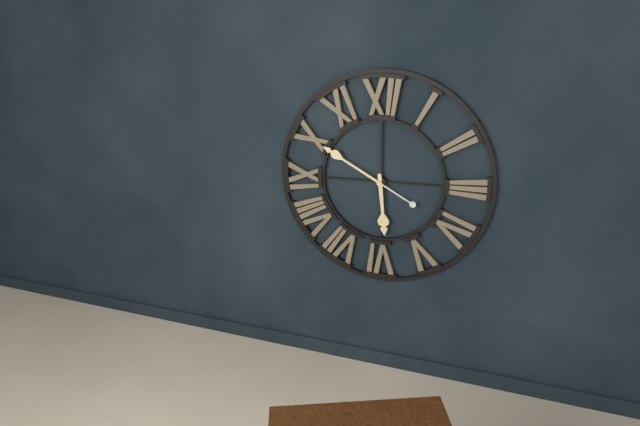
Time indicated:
**5:50**
